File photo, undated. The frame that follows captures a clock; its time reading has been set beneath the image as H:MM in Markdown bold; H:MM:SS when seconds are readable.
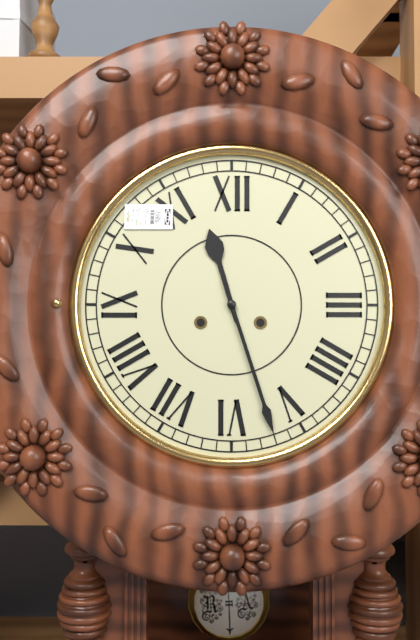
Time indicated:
**11:27**
